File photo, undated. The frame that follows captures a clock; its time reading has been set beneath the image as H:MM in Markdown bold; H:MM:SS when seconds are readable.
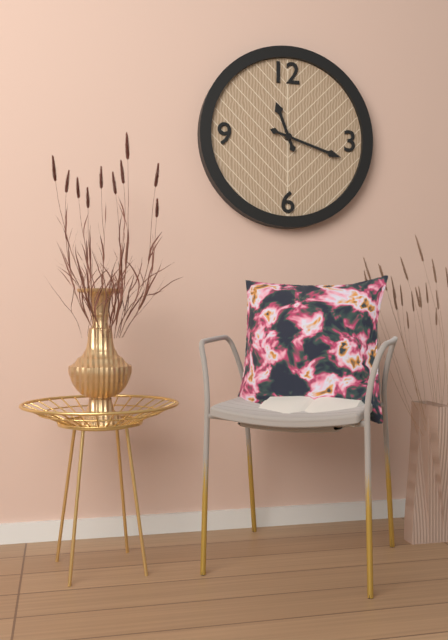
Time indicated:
**11:18**
